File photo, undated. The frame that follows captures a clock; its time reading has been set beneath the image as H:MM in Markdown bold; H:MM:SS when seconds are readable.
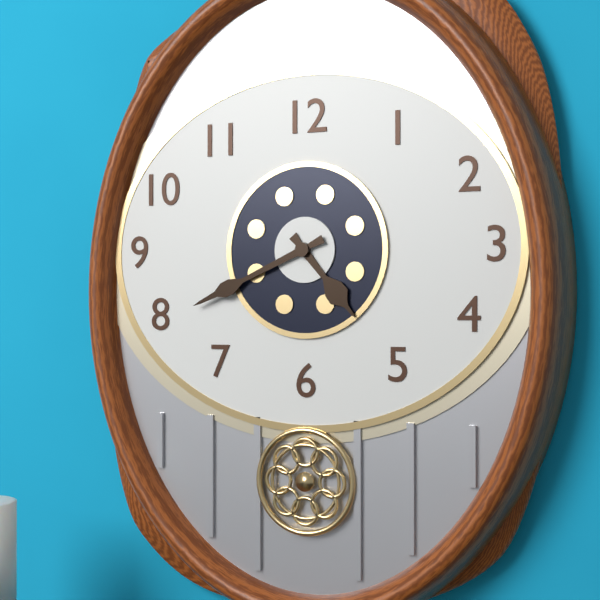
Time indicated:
**4:41**
